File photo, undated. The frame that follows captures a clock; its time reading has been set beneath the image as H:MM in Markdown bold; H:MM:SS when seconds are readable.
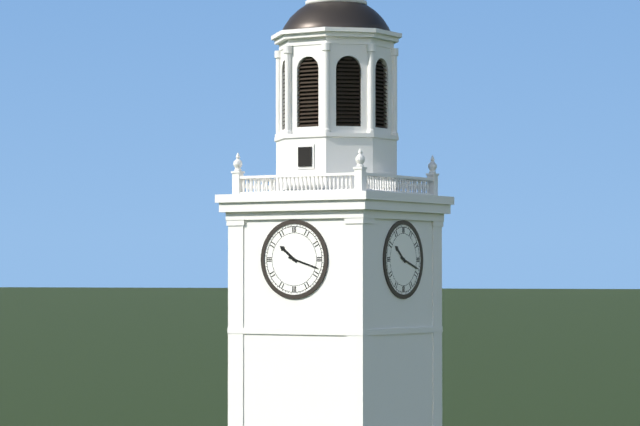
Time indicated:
**10:18**
